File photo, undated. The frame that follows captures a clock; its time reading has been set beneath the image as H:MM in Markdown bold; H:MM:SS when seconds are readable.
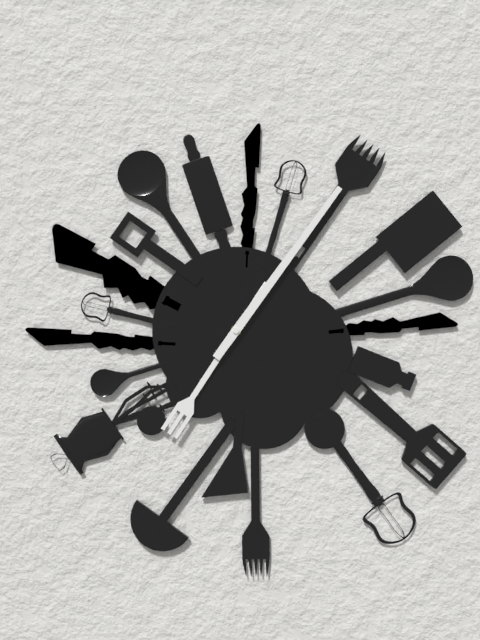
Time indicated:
**7:06**
